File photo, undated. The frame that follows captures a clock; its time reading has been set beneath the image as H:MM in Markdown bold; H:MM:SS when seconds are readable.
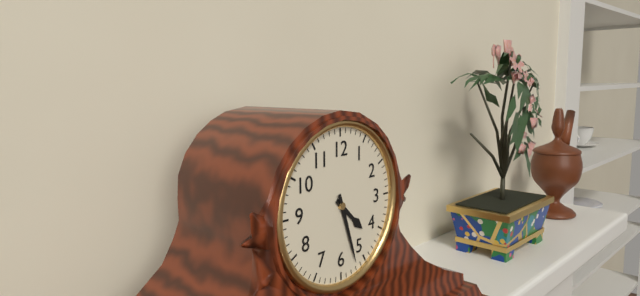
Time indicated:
**4:27**
